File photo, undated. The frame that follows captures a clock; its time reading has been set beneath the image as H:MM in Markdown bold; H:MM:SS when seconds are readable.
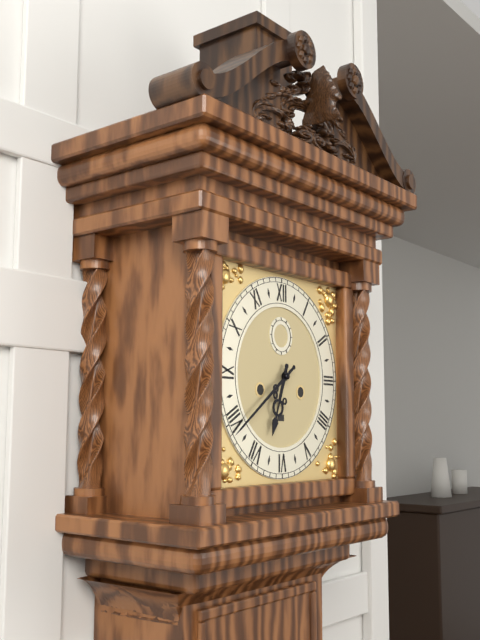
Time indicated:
**6:39**
